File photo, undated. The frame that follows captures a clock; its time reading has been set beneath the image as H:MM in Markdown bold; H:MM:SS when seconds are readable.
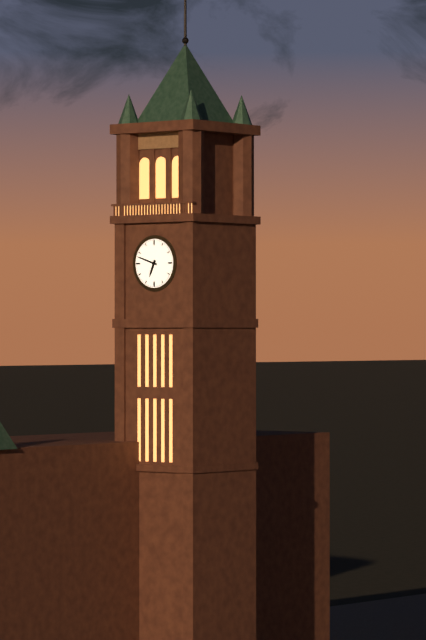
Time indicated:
**6:48**
